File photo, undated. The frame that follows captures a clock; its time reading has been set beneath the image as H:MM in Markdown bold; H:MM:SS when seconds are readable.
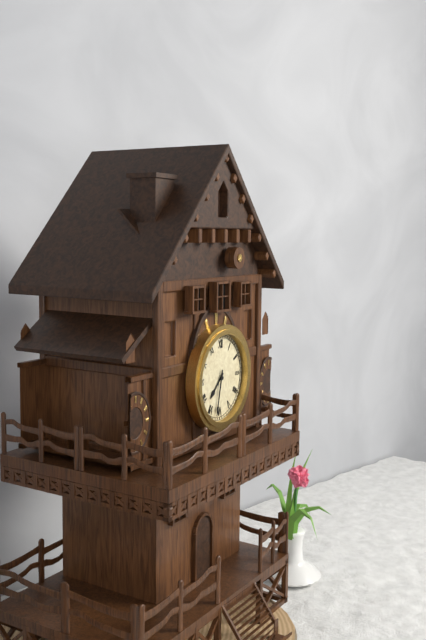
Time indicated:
**7:32**
